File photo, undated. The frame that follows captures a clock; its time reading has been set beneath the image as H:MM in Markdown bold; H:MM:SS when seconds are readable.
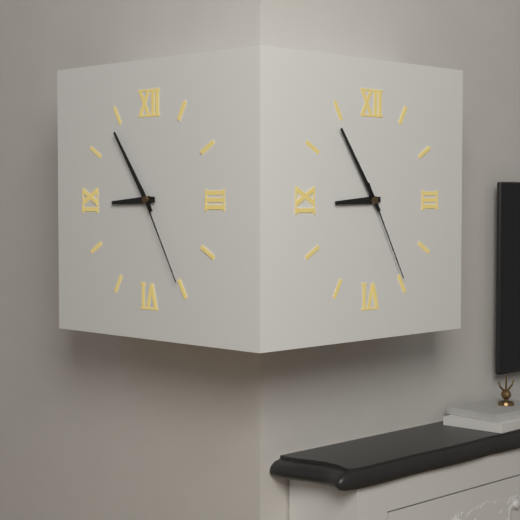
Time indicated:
**8:54:25**
